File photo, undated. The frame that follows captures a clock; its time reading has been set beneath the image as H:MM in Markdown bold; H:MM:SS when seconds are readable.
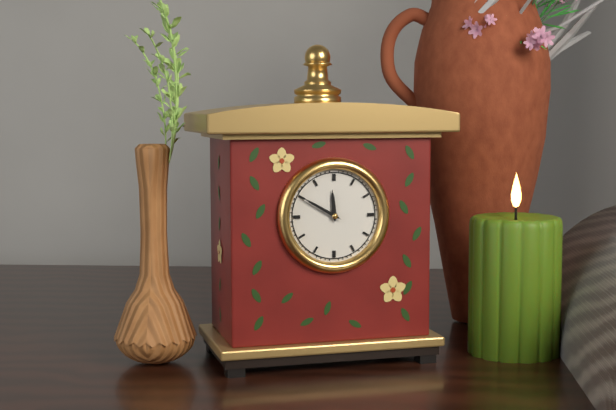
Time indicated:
**11:50**
